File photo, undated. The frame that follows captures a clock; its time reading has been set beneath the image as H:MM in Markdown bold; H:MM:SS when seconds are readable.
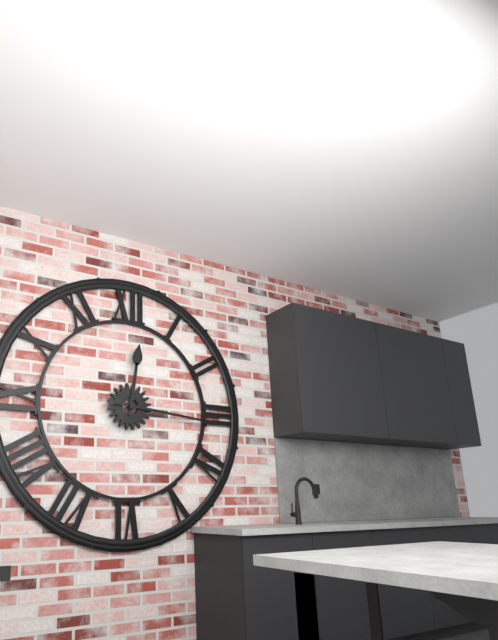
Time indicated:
**12:16**
